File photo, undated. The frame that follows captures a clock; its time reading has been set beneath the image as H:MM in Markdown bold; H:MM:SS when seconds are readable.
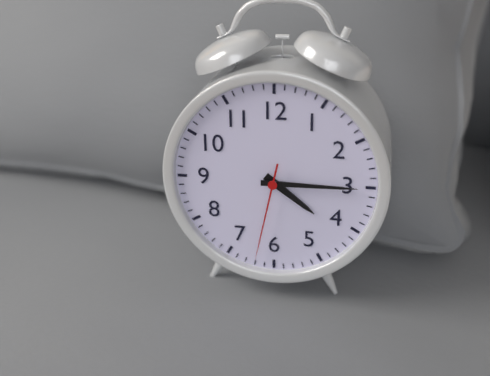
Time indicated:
**4:15:32**
